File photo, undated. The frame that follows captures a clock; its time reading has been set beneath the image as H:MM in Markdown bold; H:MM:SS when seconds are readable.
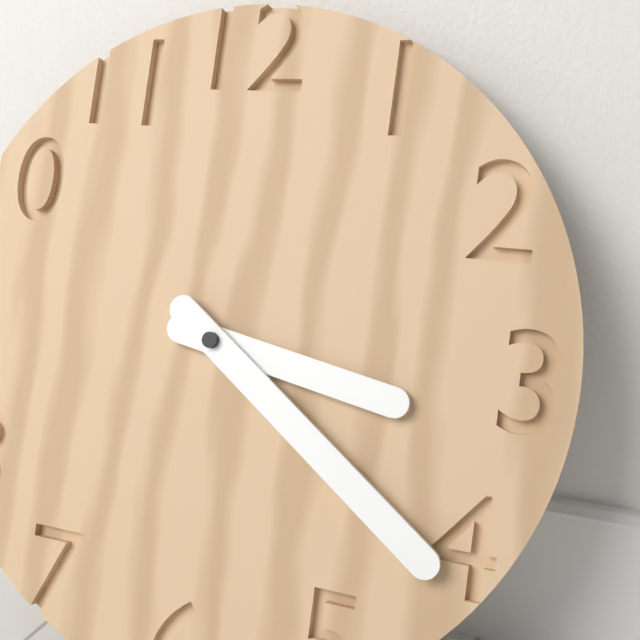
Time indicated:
**3:21**
